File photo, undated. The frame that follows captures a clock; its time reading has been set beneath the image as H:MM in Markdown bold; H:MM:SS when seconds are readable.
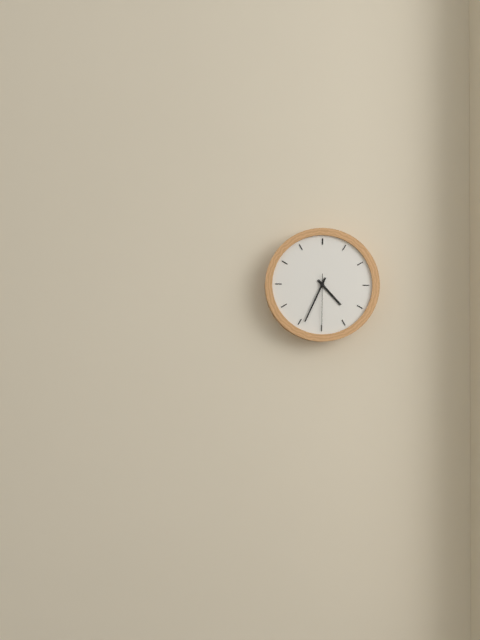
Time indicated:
**4:34:30**
